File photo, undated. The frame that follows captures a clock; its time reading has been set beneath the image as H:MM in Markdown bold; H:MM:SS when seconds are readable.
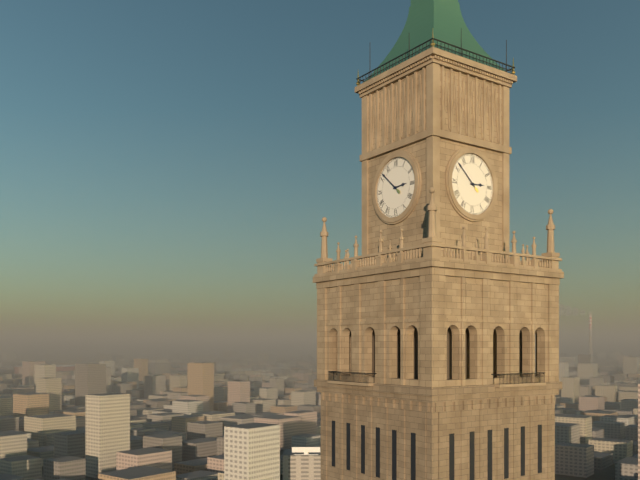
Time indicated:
**2:52**
